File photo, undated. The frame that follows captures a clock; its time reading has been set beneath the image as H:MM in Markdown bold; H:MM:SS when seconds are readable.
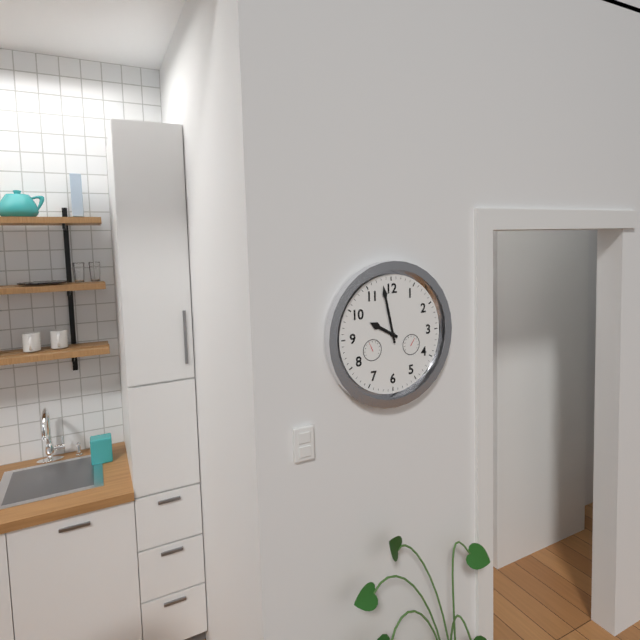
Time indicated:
**9:58**
